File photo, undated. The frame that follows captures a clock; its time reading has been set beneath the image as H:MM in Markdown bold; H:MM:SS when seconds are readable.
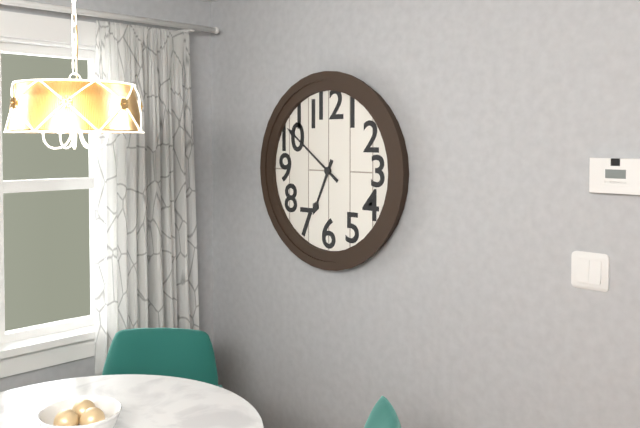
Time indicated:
**6:51**
